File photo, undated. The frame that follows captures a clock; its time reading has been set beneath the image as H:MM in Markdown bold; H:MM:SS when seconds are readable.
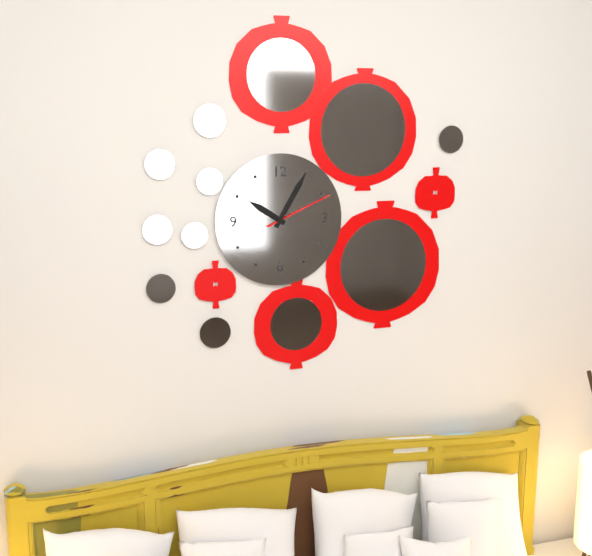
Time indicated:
**10:05:11**
